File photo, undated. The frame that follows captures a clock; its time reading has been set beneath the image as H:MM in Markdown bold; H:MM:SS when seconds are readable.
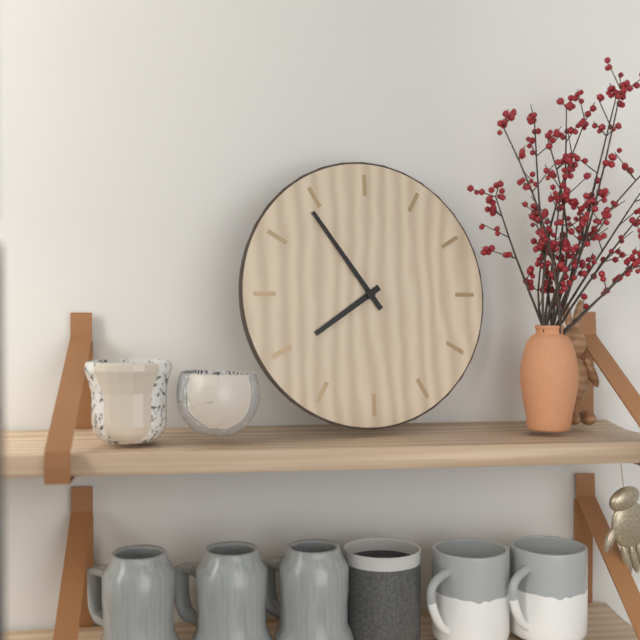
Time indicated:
**7:54**
